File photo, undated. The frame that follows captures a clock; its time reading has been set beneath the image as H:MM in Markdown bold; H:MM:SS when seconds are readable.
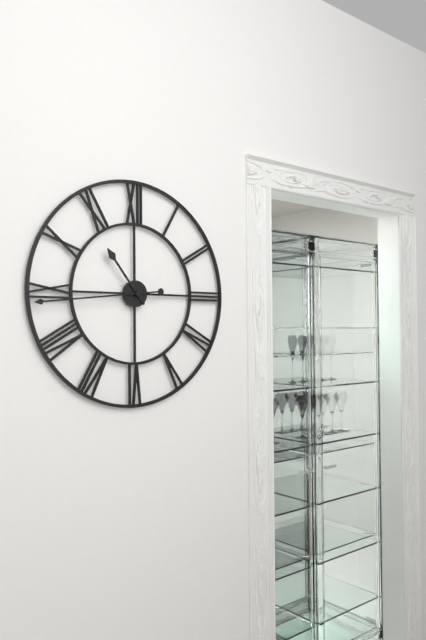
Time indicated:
**10:44**
